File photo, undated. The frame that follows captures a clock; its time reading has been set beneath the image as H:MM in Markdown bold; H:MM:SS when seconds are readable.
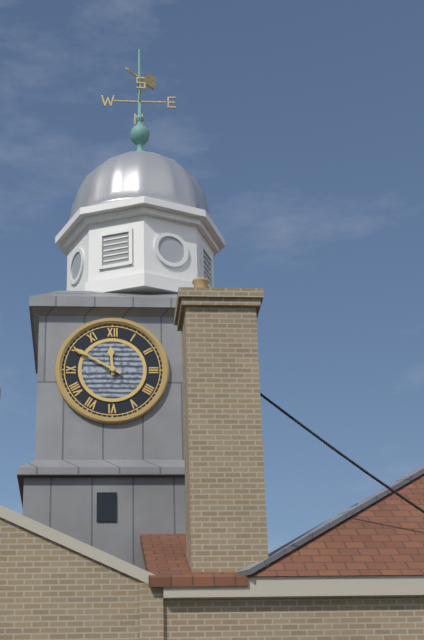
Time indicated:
**11:50**
